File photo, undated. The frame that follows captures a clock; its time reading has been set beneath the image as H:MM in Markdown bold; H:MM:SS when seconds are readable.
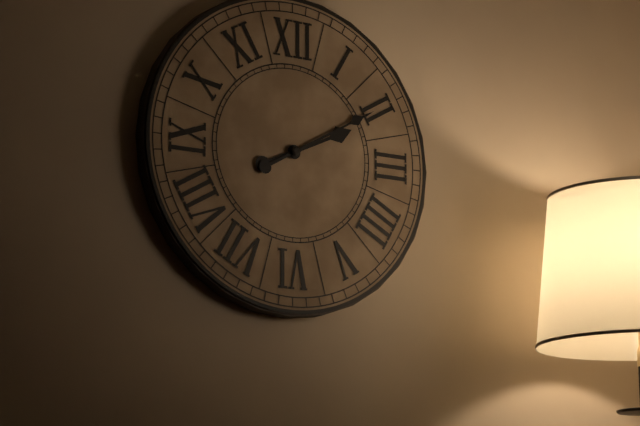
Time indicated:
**2:10**
